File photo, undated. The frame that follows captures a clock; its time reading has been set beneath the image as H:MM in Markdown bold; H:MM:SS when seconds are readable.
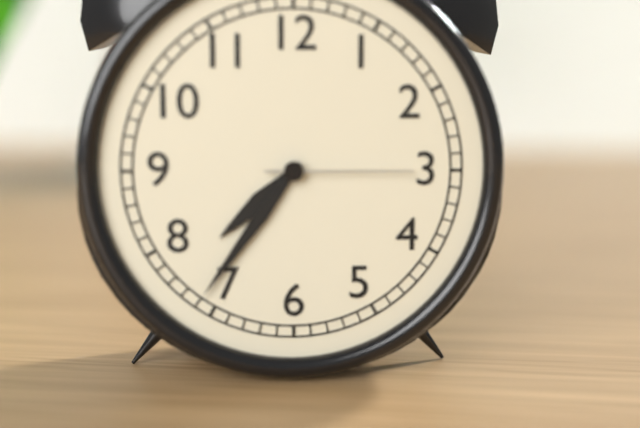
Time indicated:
**7:36:15**
